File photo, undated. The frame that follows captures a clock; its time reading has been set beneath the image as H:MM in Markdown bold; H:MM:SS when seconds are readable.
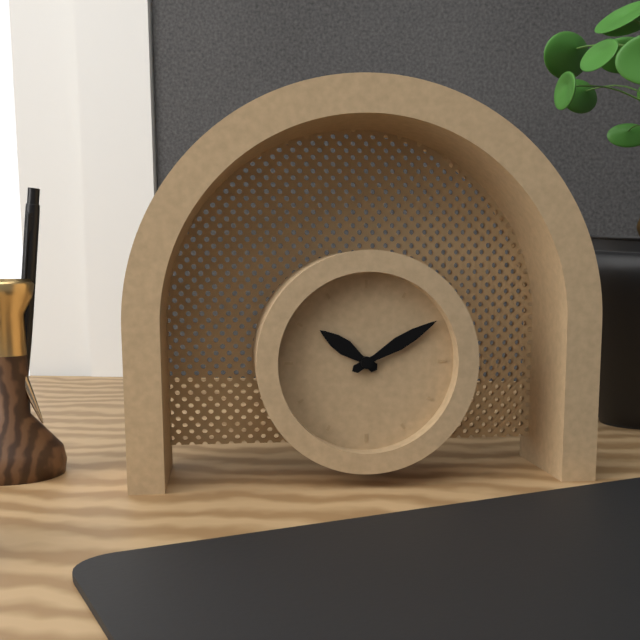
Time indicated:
**10:10**
